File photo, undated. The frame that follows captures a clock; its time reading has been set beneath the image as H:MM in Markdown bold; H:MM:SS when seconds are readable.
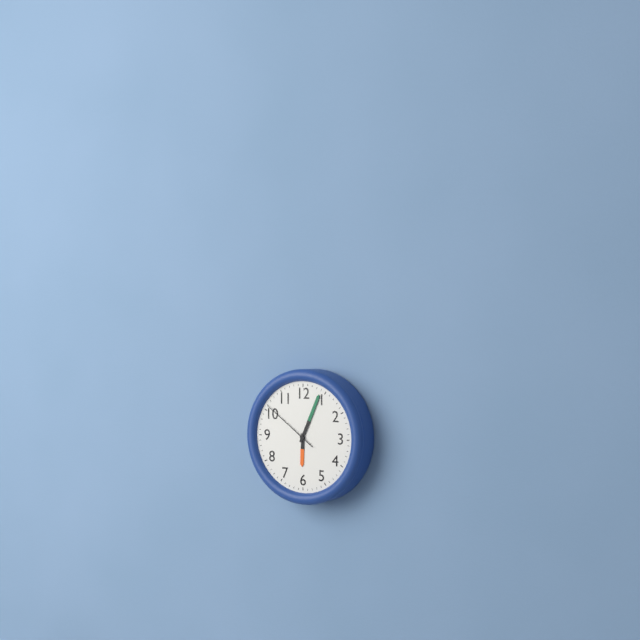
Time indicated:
**6:04:51**
